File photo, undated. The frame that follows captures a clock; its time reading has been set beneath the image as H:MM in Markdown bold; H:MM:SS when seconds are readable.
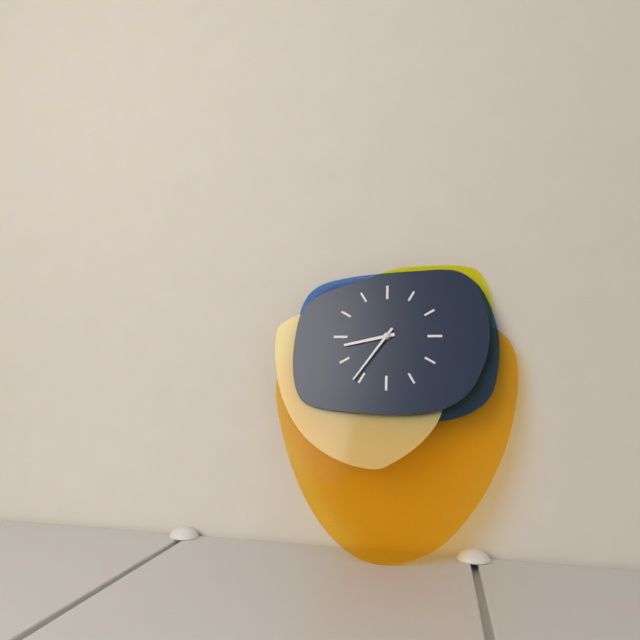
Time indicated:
**8:36**
